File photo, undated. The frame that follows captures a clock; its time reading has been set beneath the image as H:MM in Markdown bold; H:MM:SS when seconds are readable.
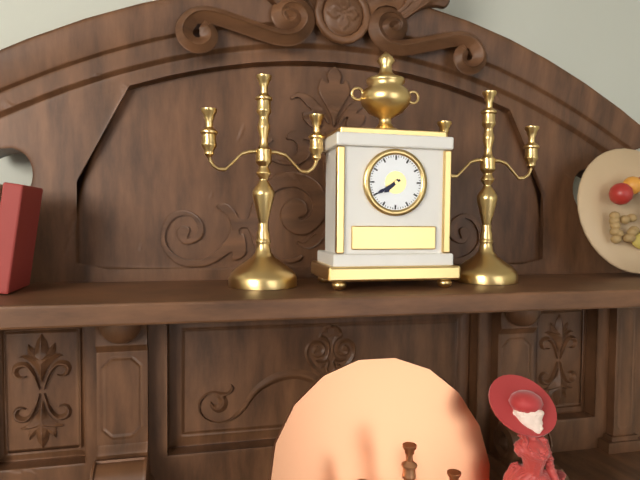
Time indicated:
**7:40**
